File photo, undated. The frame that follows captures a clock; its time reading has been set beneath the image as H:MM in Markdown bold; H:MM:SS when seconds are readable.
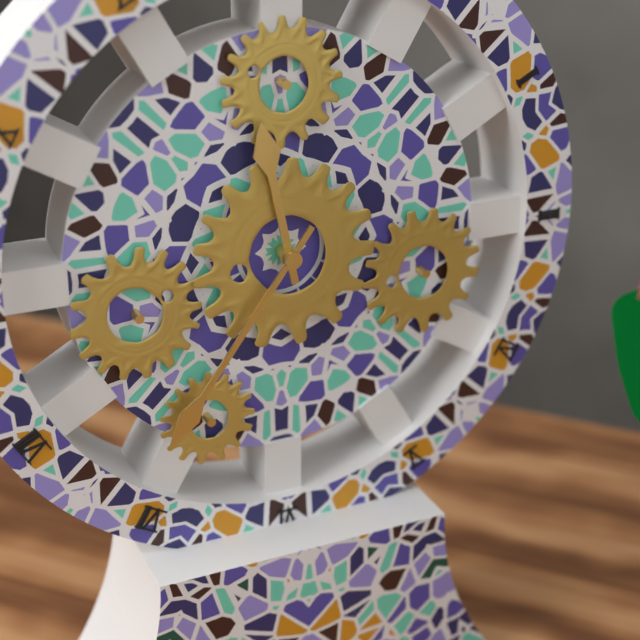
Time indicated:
**11:36**
